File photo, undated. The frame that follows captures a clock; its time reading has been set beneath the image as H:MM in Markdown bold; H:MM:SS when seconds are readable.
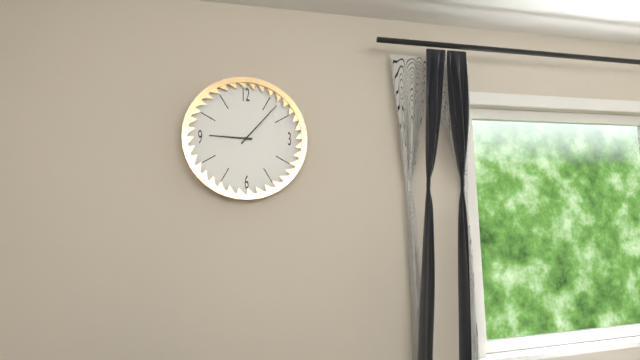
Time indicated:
**9:07**
